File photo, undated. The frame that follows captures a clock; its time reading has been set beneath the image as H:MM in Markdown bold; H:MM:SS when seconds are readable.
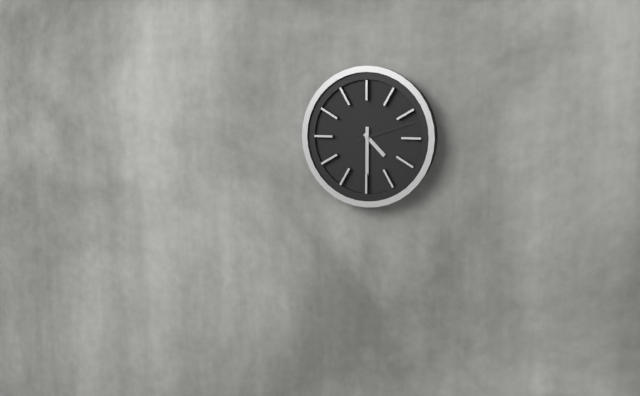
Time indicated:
**4:30:12**
